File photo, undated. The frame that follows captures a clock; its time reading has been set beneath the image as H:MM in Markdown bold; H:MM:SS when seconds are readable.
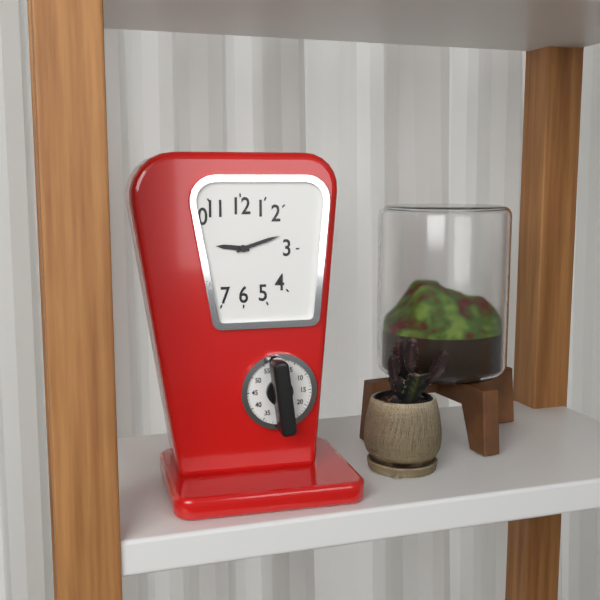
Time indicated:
**9:12**
